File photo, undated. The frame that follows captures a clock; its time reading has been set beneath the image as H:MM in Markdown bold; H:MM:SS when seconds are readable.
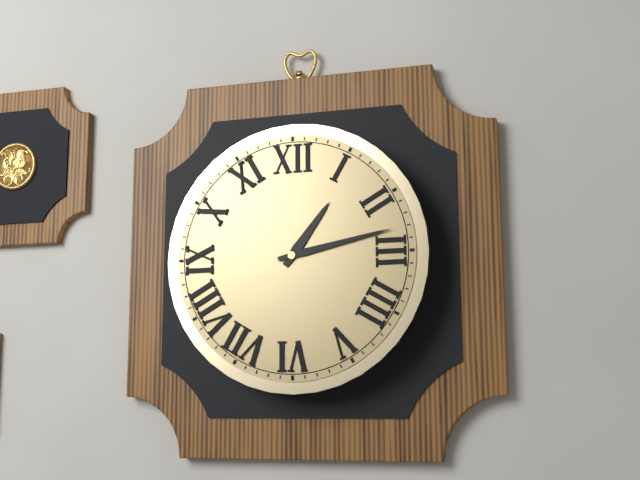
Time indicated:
**1:13**
